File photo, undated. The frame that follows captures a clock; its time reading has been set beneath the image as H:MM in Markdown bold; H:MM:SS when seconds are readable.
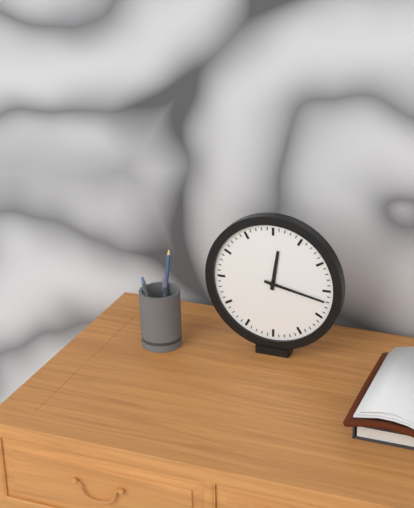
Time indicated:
**12:17**
